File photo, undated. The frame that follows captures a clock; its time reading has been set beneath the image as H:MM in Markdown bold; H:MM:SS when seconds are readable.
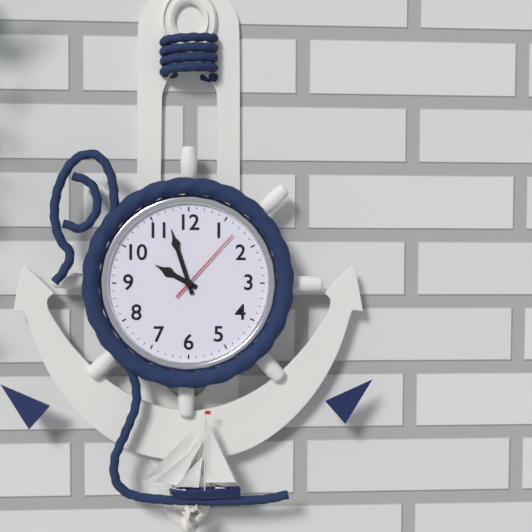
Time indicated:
**9:57:07**
